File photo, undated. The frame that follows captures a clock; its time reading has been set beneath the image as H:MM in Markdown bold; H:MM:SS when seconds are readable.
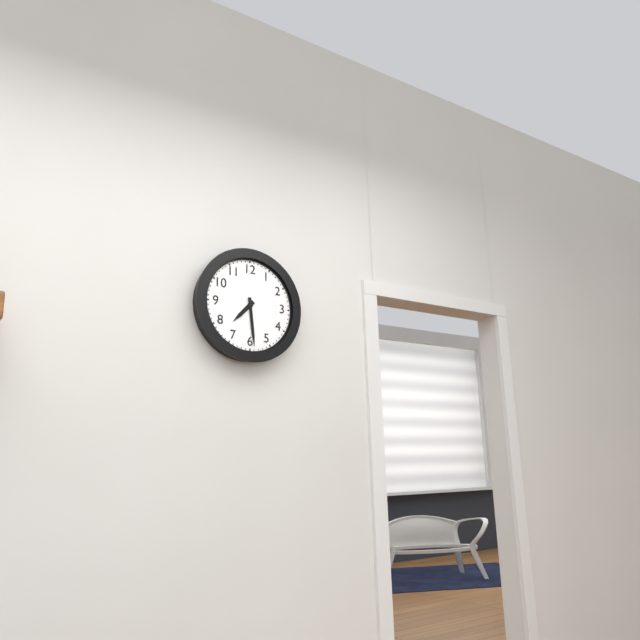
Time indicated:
**7:29**
